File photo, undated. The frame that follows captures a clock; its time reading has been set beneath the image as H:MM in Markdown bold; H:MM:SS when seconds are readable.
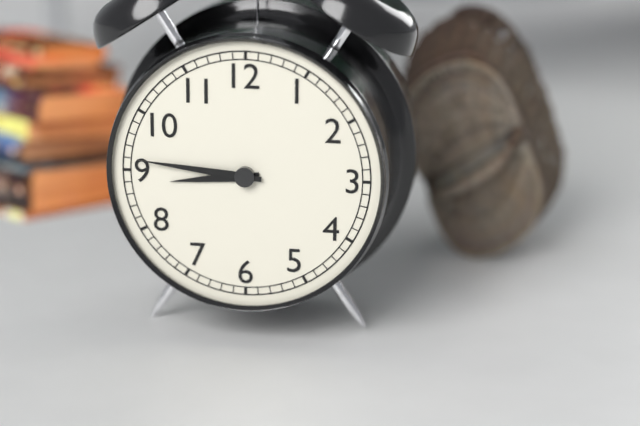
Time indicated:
**8:46**
